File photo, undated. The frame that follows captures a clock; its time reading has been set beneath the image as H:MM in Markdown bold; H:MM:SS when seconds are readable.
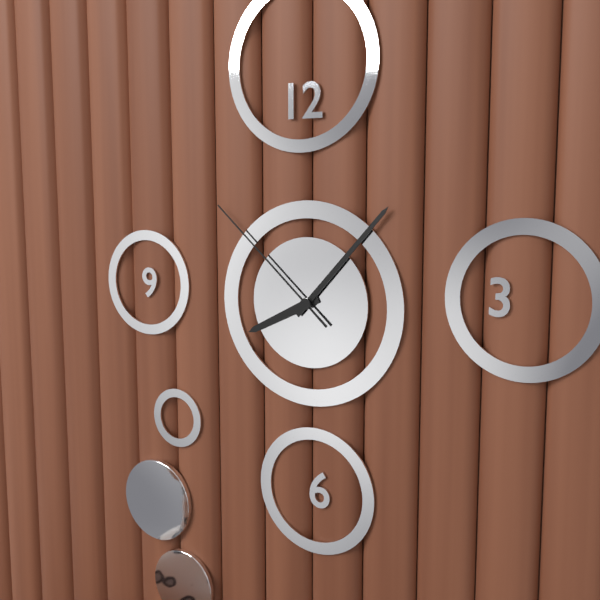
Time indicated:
**8:07:52**
